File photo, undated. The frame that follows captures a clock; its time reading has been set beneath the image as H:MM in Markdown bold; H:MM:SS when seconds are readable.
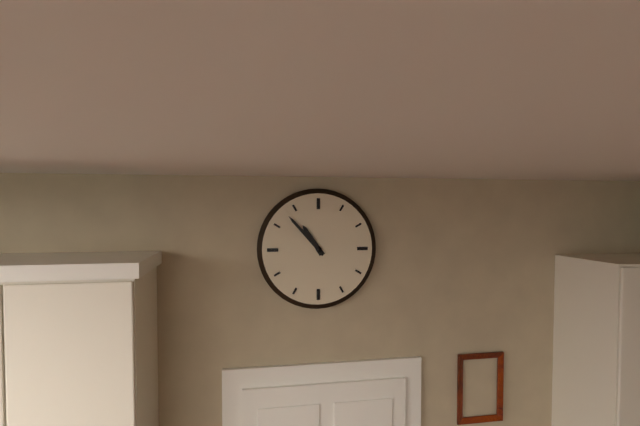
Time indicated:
**10:53**
